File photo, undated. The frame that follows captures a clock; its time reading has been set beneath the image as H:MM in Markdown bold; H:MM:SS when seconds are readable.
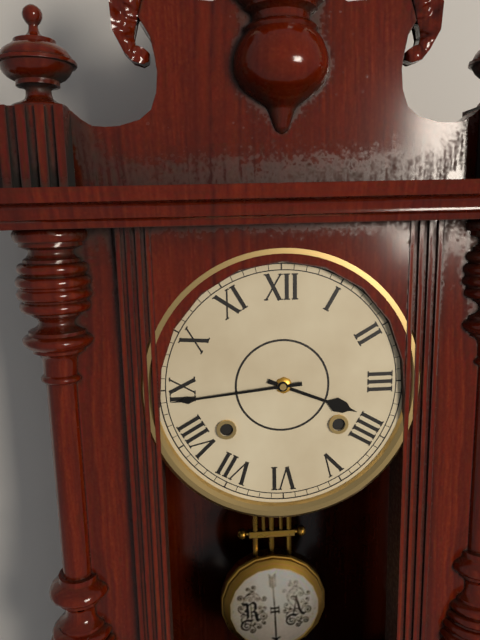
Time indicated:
**3:44**
